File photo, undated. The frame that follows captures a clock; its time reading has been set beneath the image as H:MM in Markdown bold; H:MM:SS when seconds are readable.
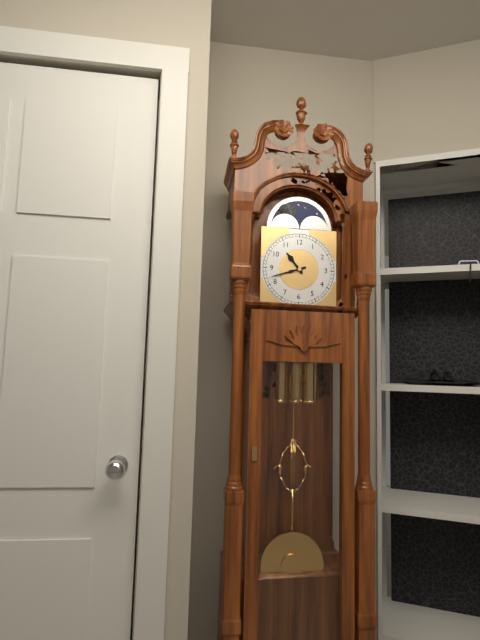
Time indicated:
**10:42**
